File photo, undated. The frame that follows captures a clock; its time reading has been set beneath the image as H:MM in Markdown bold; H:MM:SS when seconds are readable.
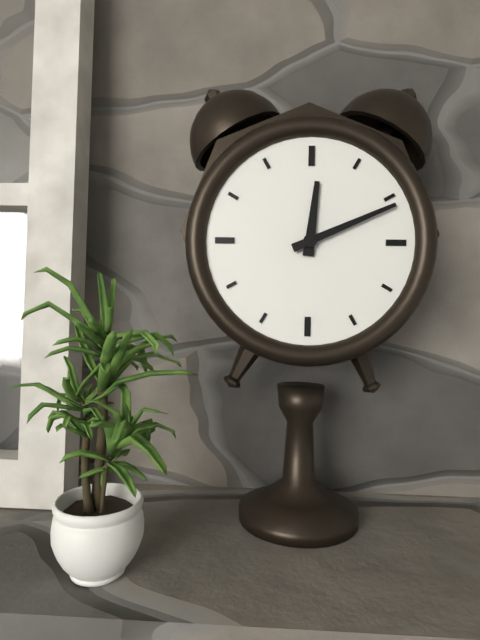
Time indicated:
**12:11**
